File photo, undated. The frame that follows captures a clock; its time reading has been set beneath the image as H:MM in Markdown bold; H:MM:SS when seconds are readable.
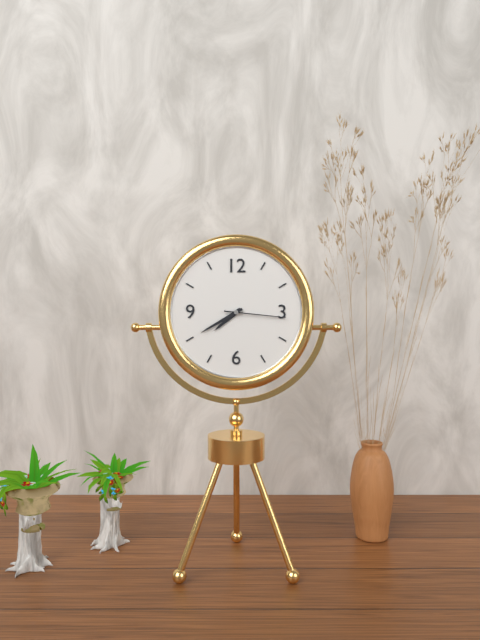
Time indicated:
**7:40:16**
